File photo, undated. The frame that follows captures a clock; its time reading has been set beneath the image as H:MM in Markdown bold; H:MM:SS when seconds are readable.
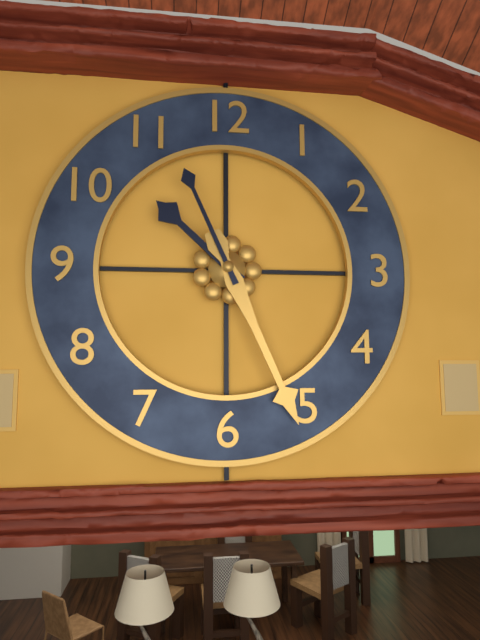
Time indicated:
**10:26:56**
